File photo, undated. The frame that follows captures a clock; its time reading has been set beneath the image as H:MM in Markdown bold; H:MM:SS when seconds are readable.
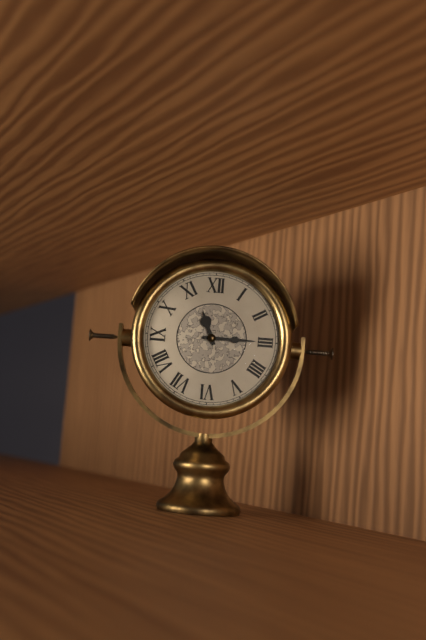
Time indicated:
**11:15**
